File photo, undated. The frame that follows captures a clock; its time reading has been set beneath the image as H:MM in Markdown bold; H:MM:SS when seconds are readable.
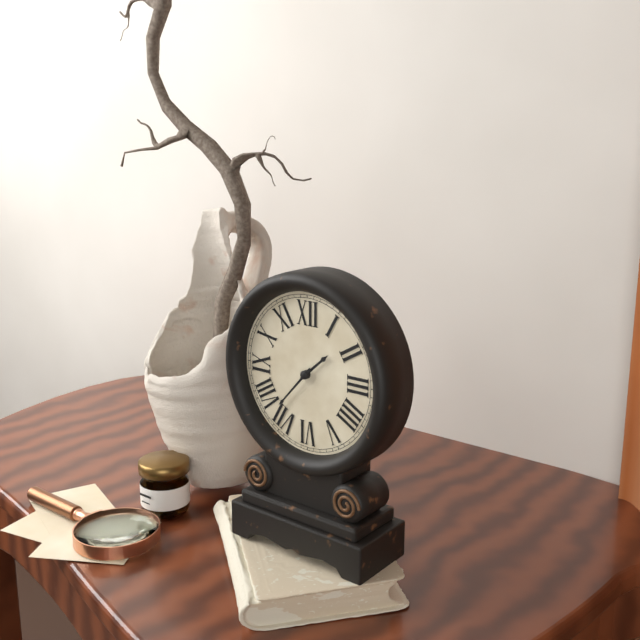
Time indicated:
**1:37**
